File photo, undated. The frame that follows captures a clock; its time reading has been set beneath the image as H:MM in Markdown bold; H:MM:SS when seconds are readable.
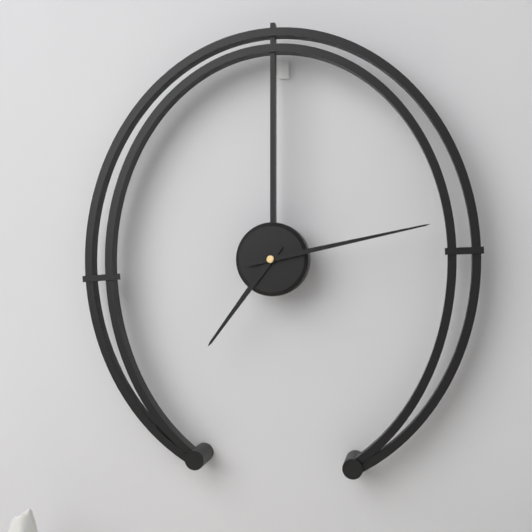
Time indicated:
**7:13**
